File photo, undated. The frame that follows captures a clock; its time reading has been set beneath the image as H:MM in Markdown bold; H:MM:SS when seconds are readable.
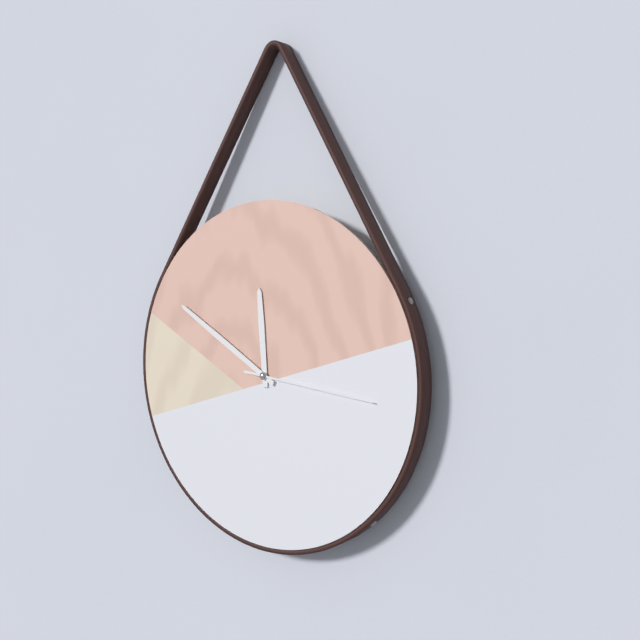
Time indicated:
**11:50:16**
